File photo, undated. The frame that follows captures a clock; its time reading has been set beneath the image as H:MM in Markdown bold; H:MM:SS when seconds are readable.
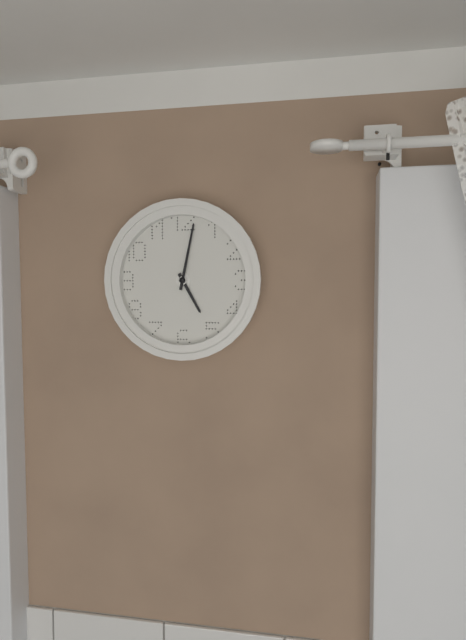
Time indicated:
**5:02**
